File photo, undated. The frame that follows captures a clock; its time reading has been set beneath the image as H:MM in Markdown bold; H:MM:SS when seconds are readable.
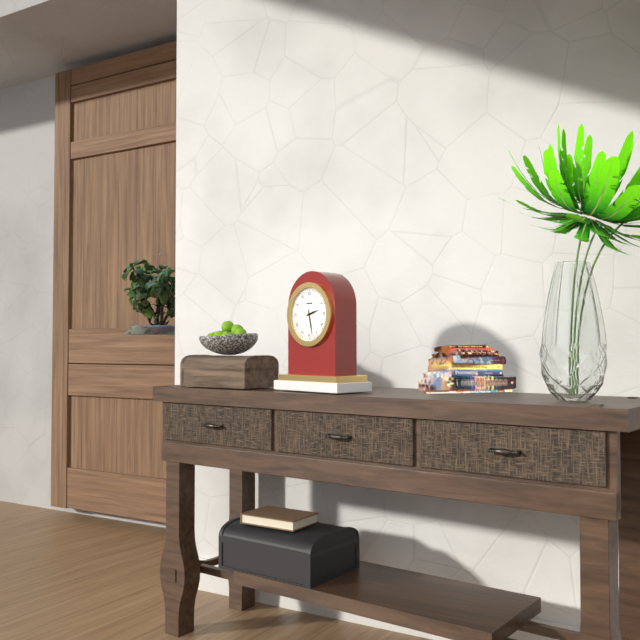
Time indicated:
**2:28**
